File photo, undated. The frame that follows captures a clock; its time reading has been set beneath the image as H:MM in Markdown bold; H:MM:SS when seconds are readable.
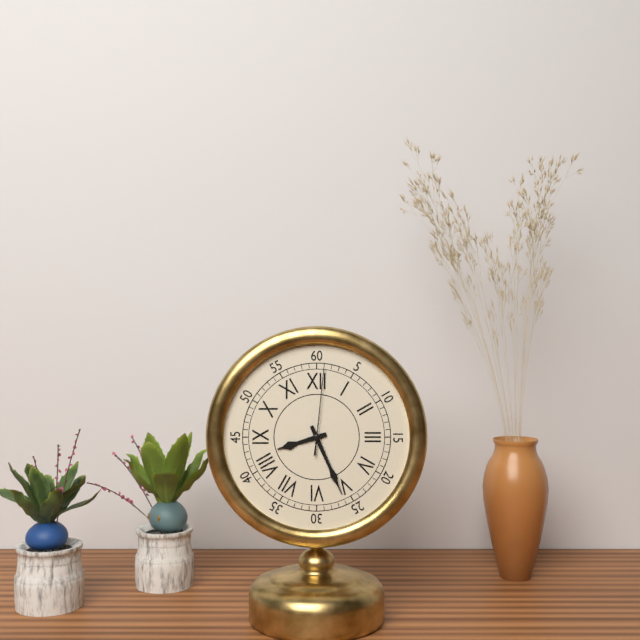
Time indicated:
**8:26:01**
